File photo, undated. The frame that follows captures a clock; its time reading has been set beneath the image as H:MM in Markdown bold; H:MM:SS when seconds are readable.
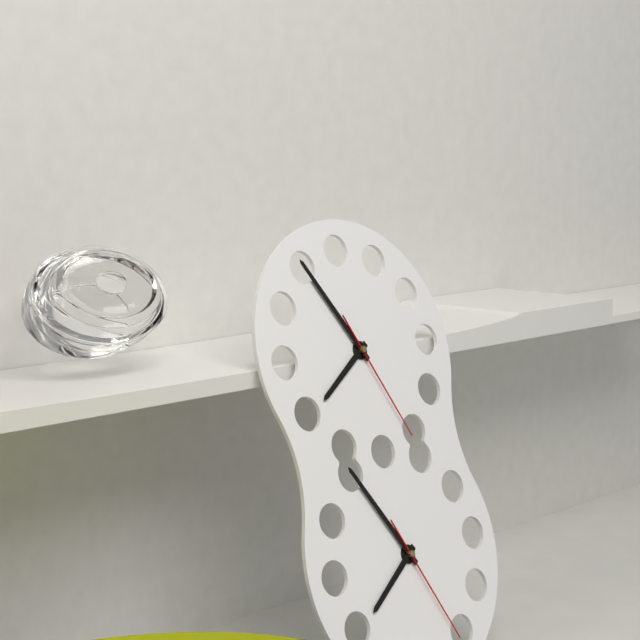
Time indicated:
**7:55:26**
